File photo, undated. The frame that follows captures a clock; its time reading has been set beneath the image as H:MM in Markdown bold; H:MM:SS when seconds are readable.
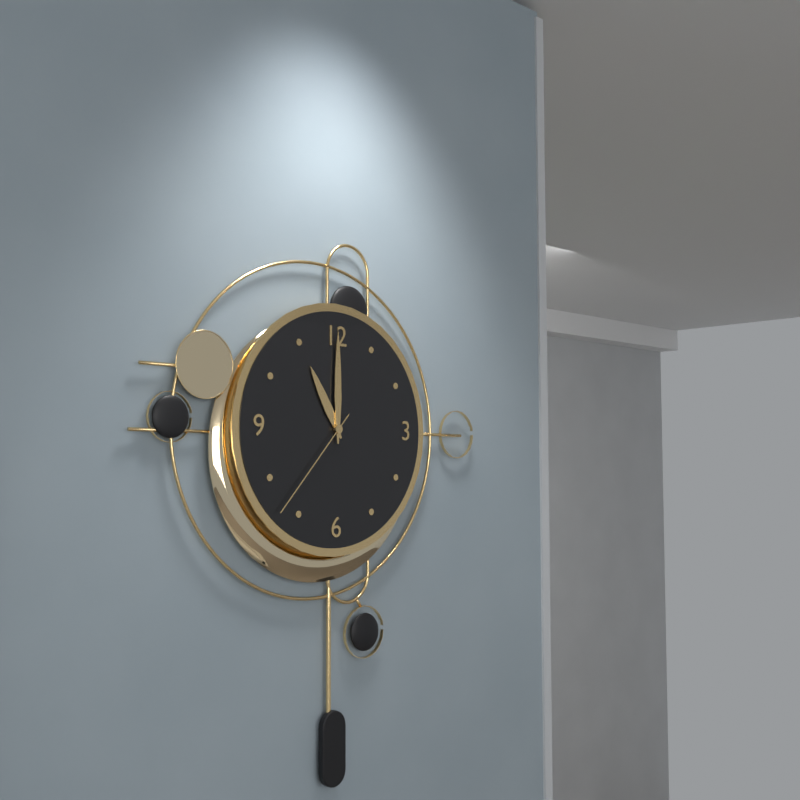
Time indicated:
**11:00:37**
